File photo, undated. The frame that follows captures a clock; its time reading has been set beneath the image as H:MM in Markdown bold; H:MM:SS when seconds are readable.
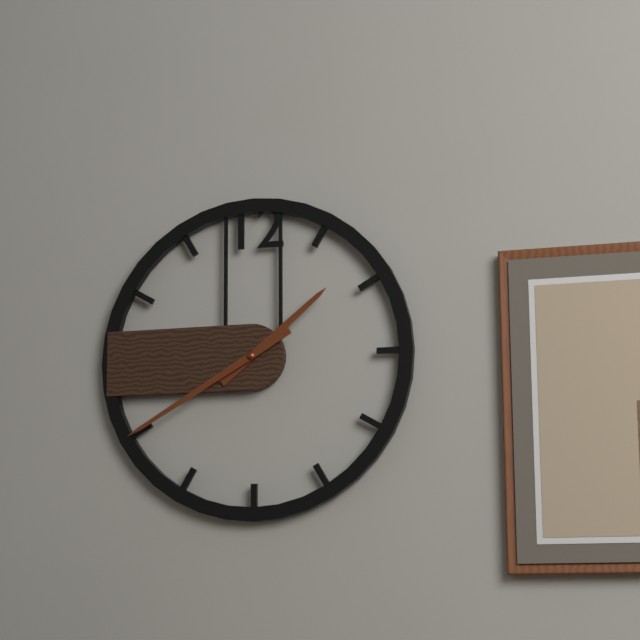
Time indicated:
**1:40**
